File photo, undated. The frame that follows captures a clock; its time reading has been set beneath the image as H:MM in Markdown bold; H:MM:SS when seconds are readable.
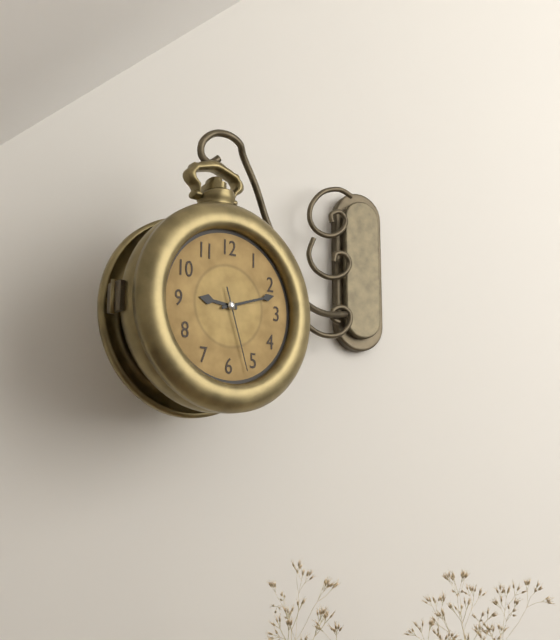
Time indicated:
**9:12:27**
